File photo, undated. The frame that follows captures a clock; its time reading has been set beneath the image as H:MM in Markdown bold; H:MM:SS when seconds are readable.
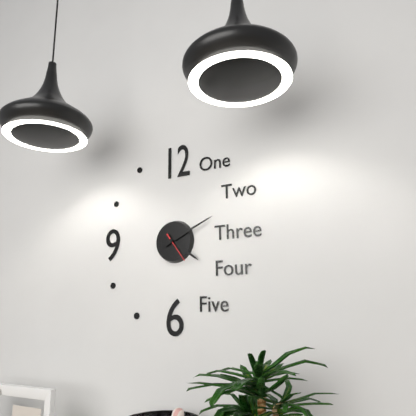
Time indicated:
**4:11**
